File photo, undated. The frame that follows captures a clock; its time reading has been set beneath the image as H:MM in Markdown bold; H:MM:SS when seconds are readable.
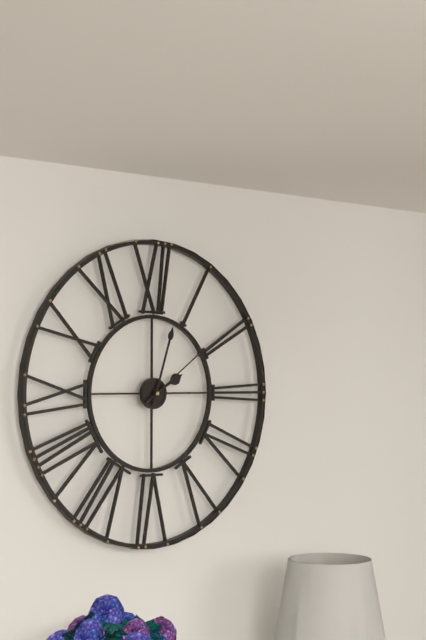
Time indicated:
**2:03:09**
